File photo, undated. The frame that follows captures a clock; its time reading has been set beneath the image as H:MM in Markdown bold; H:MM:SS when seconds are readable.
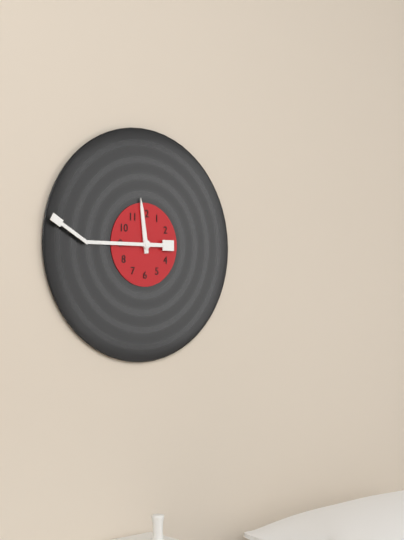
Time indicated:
**11:45**
